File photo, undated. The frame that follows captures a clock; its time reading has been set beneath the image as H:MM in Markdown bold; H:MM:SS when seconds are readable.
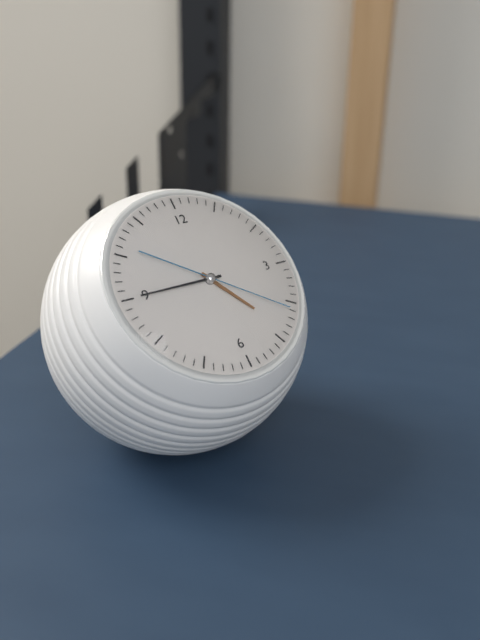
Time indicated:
**4:45:21**
